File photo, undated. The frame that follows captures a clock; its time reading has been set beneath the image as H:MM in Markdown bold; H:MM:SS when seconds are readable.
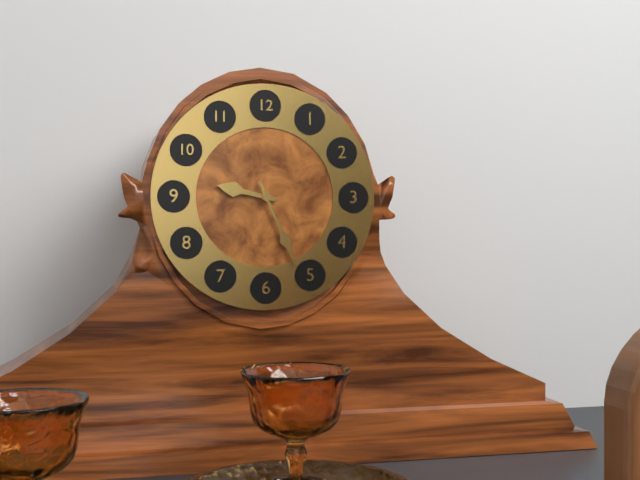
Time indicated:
**9:26**
